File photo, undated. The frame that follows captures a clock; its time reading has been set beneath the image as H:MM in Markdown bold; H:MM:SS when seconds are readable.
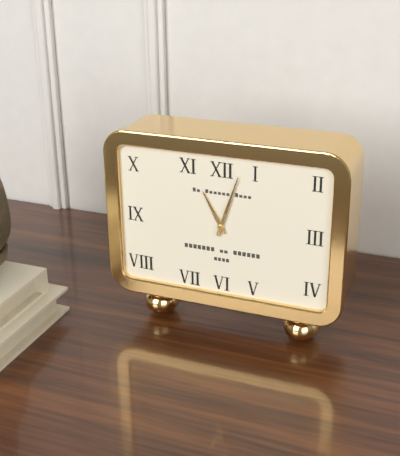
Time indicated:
**11:03**
